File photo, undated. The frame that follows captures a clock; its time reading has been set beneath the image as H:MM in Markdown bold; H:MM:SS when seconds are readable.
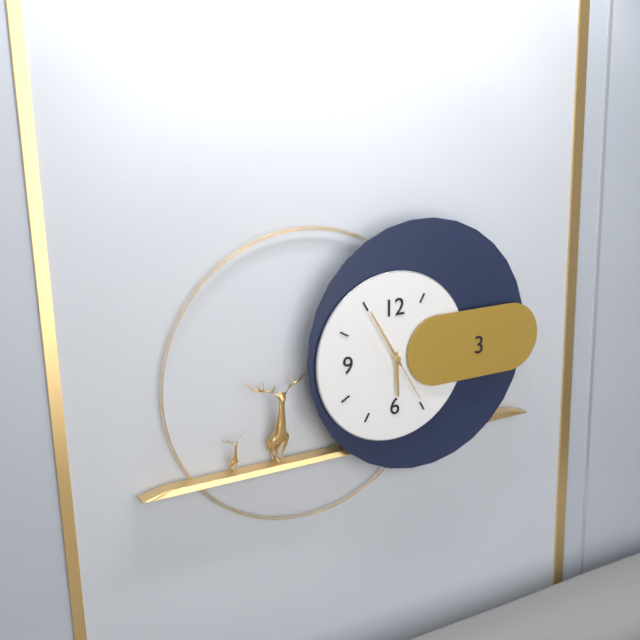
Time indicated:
**5:55:25**
